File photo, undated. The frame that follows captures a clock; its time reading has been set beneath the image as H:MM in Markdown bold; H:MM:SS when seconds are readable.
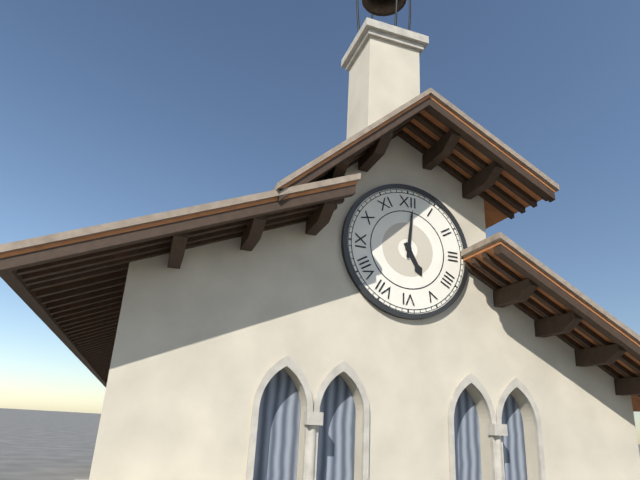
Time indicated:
**5:01**
